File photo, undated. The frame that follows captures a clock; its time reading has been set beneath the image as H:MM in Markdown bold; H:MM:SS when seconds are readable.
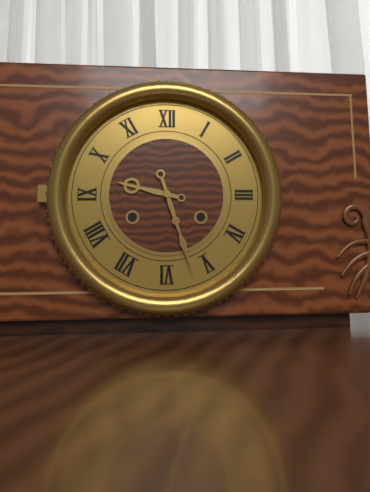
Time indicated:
**9:27**
